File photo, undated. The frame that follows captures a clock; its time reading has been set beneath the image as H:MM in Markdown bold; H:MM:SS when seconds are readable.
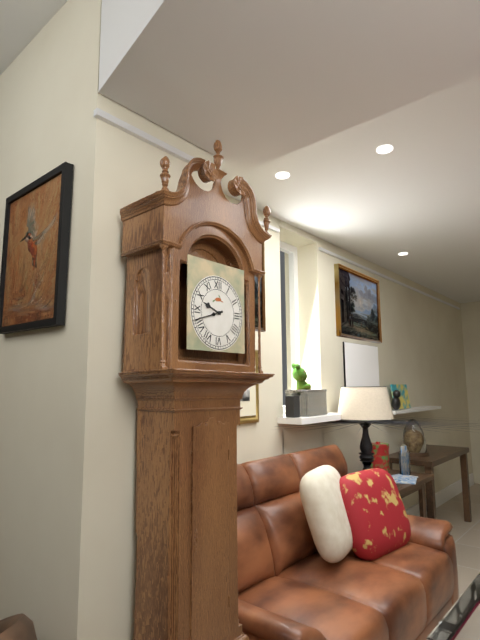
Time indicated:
**9:42**
